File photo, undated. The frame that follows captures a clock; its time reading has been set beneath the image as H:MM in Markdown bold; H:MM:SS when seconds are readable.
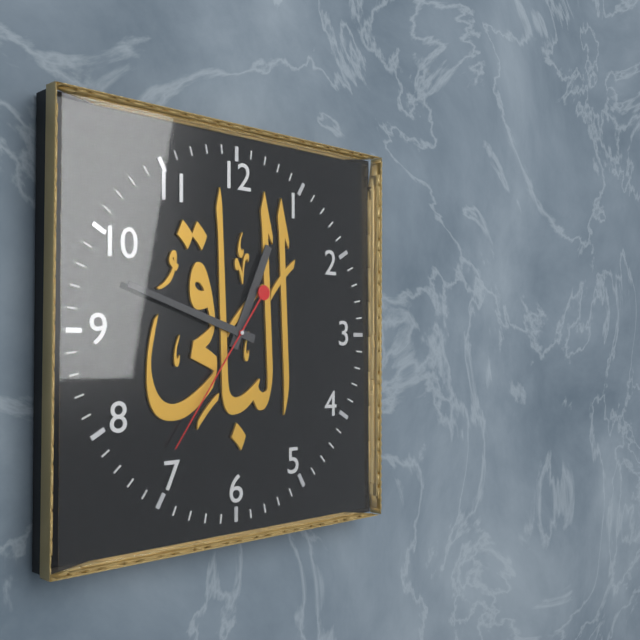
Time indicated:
**12:48:36**
